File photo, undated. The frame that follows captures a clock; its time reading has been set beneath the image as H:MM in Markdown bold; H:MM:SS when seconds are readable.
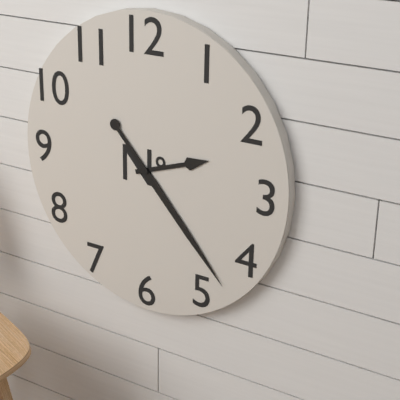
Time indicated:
**2:23**
